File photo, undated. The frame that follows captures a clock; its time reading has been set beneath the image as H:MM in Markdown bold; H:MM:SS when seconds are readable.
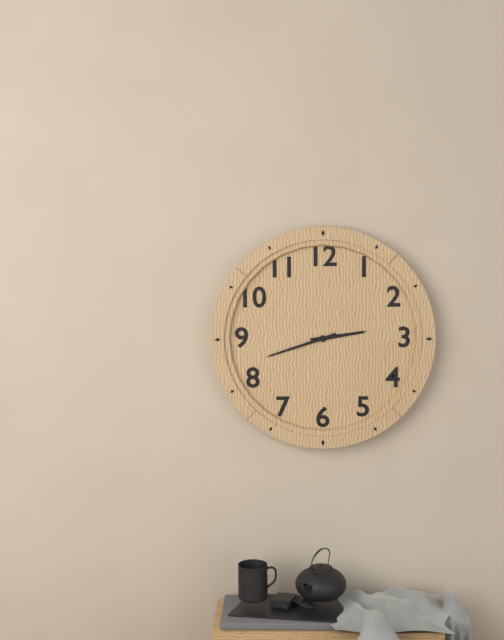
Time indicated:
**2:42**
